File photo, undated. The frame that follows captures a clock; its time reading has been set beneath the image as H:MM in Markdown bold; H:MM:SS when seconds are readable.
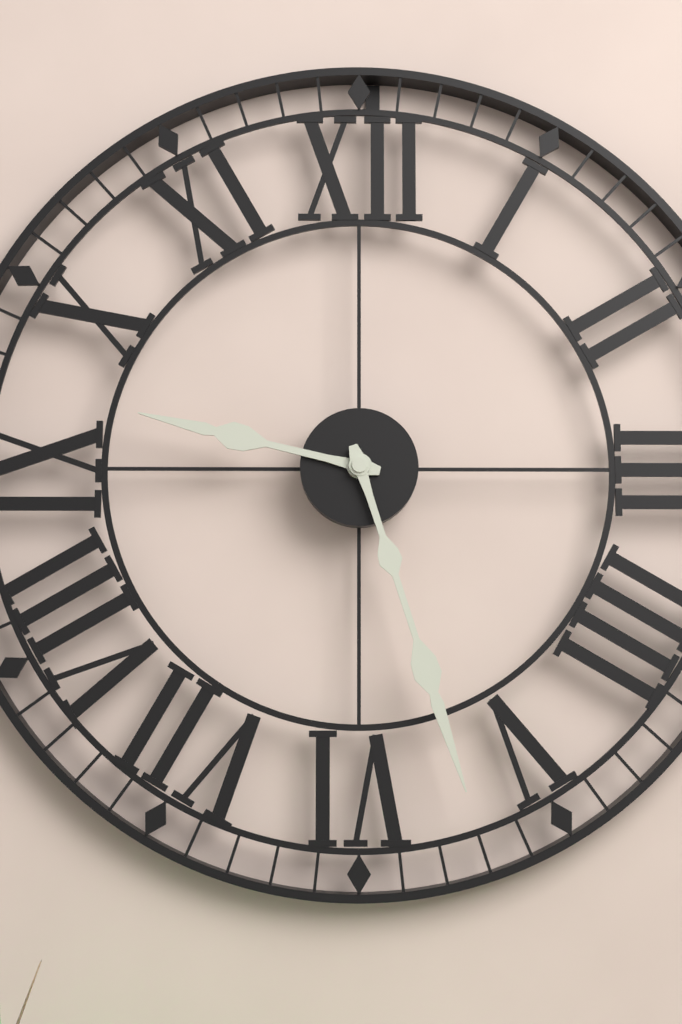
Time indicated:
**9:27**
